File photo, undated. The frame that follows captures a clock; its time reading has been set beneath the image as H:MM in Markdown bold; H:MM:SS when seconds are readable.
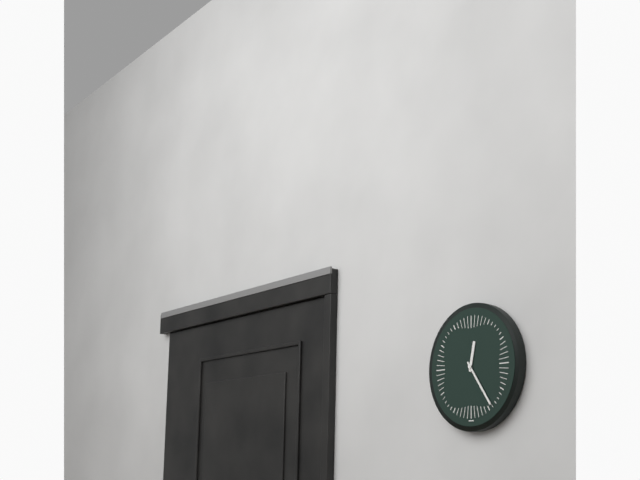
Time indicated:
**12:24**
